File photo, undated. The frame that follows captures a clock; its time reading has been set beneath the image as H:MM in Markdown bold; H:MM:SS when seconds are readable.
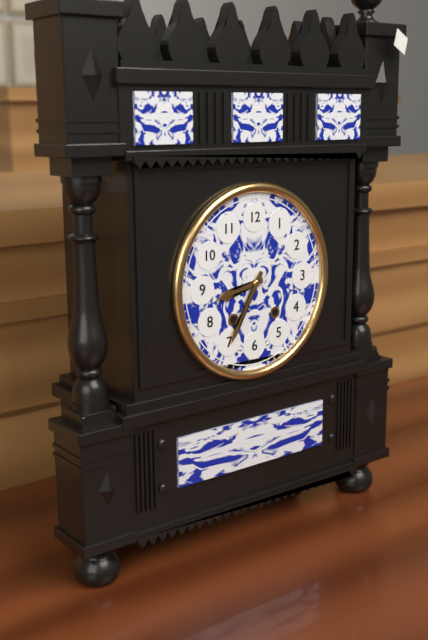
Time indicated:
**8:35**
